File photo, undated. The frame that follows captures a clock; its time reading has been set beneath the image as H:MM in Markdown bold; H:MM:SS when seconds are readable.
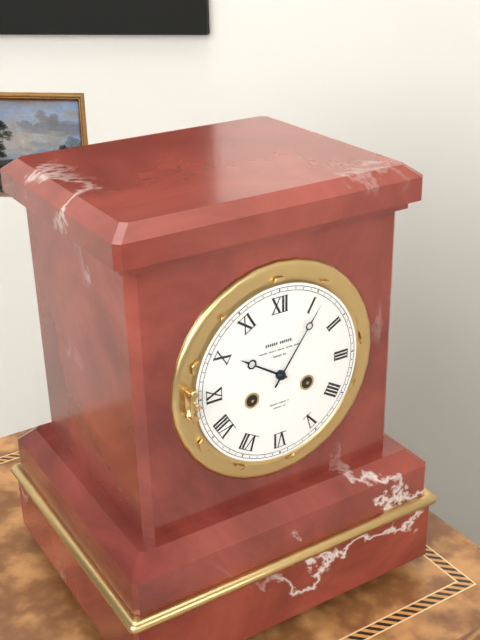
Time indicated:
**10:06**
